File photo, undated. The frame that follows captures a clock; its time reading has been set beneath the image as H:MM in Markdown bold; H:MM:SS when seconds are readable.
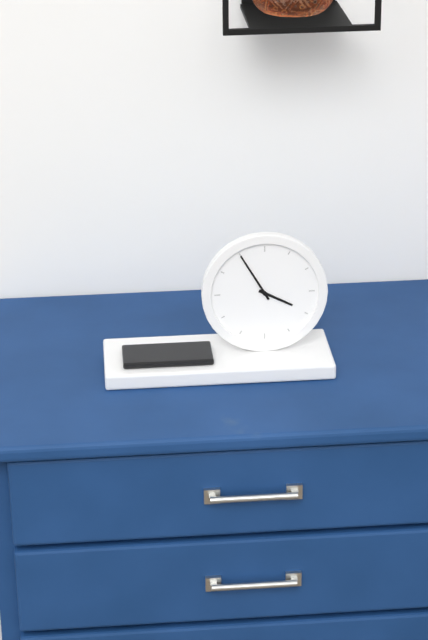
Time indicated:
**3:55**
